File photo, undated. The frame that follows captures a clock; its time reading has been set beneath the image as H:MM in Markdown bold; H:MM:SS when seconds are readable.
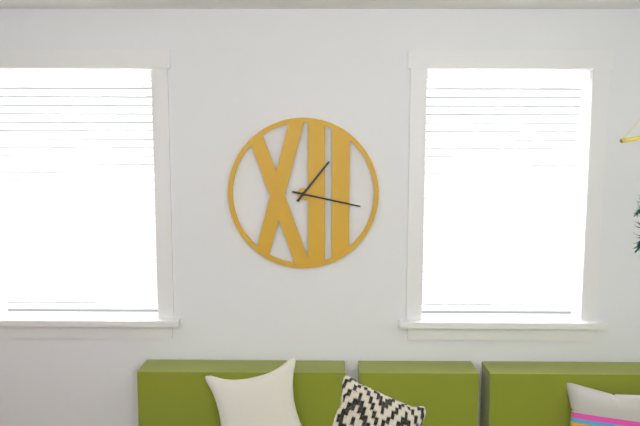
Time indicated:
**1:17**
